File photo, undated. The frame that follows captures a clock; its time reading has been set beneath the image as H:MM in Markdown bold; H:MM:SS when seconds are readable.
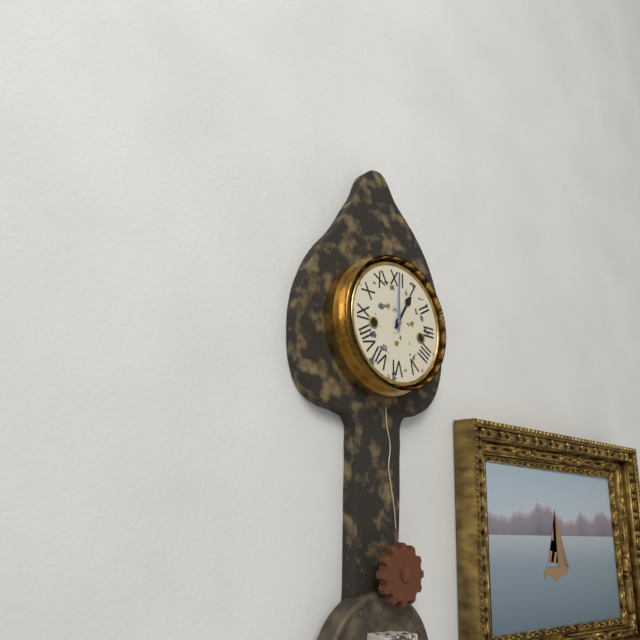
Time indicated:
**1:00**
